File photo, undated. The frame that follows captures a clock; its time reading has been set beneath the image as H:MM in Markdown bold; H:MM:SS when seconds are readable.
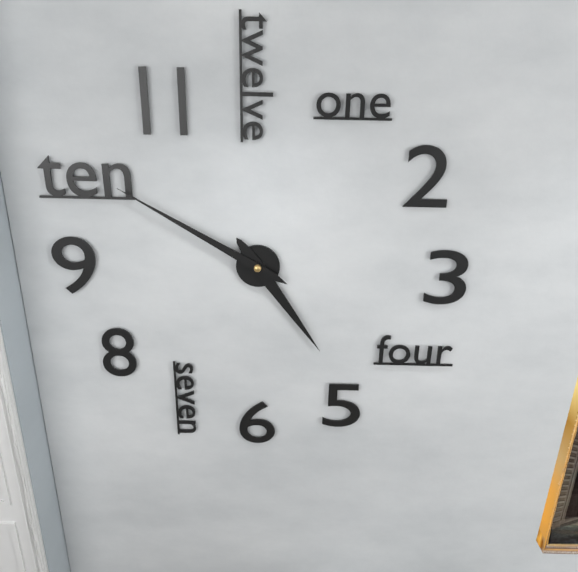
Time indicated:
**4:50**
